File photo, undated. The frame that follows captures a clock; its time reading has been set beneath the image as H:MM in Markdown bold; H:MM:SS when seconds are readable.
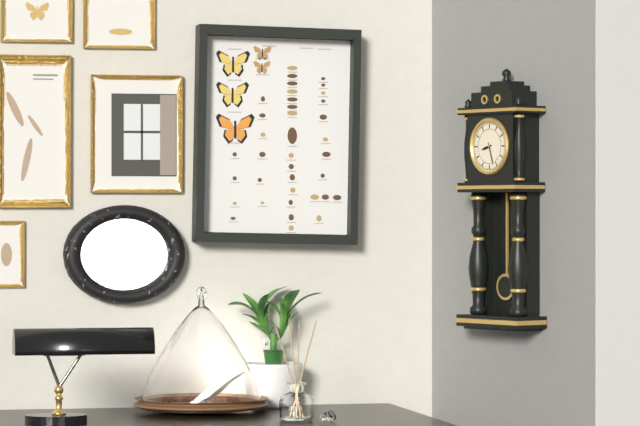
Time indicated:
**8:27**
